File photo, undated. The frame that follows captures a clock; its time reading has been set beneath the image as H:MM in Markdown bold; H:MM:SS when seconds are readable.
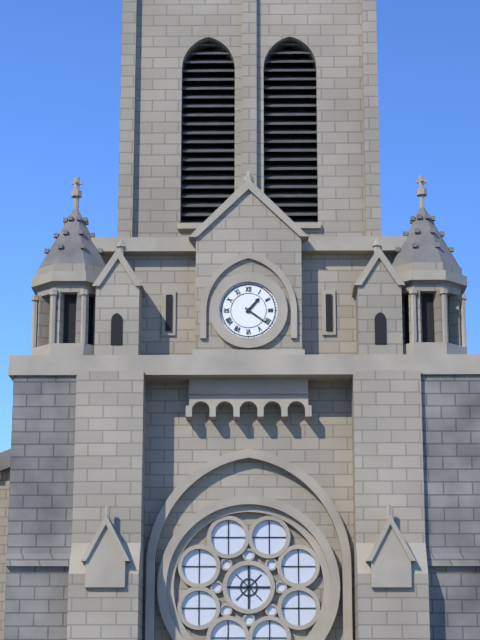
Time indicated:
**1:21**
